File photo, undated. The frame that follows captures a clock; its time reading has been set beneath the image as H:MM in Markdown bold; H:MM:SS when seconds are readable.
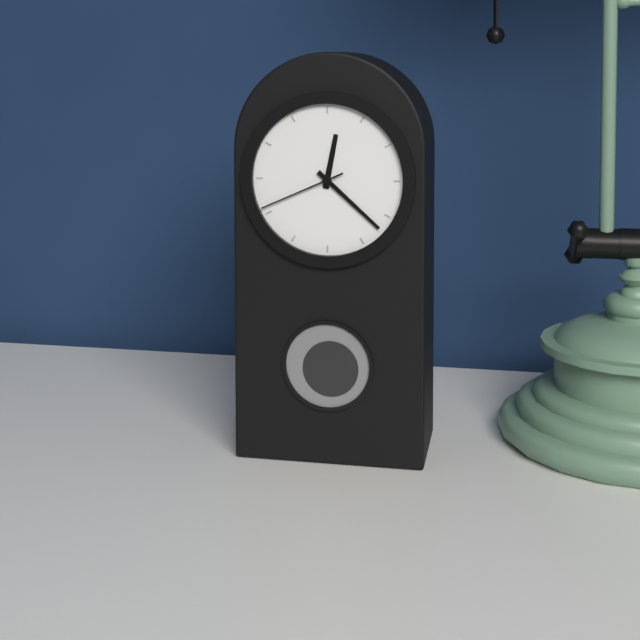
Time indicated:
**12:22:41**
